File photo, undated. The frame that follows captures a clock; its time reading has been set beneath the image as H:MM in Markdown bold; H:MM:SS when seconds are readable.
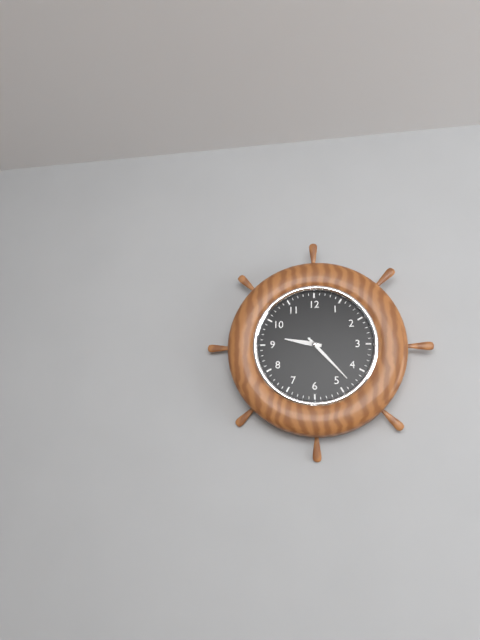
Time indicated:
**9:23**
